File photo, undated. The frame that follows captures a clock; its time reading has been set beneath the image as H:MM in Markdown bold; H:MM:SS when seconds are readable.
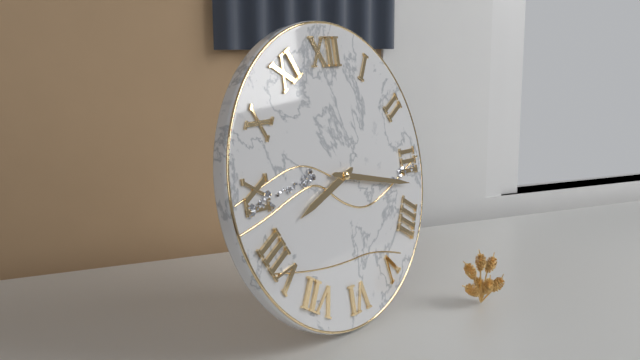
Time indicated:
**8:17**
